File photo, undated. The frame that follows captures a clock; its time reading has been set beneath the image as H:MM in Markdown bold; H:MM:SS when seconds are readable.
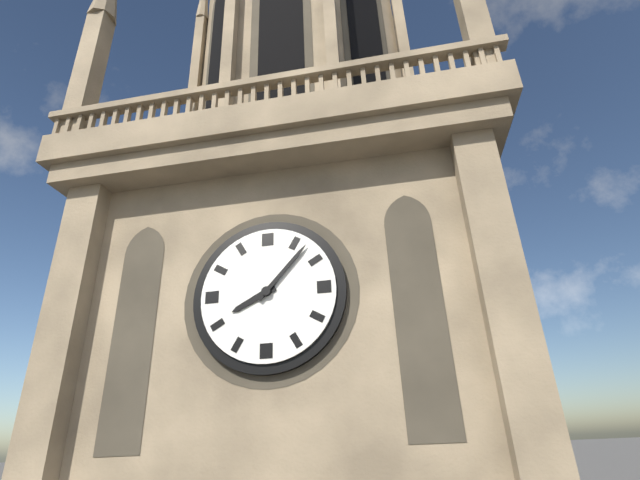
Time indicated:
**8:07**
